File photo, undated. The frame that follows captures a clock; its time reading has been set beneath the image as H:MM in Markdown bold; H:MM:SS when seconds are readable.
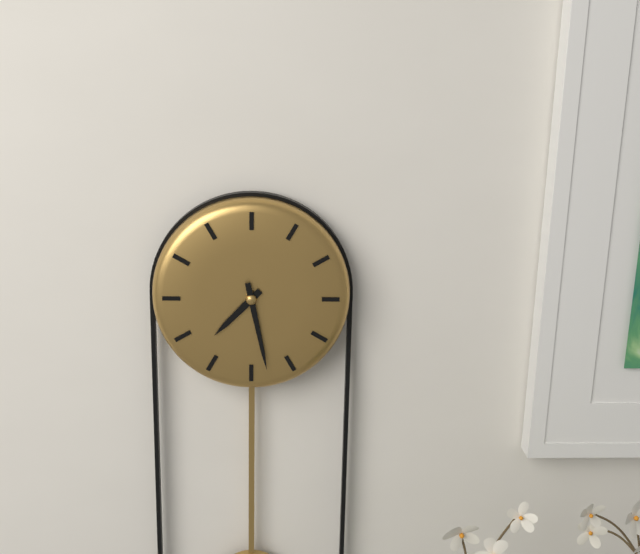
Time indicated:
**7:28**
